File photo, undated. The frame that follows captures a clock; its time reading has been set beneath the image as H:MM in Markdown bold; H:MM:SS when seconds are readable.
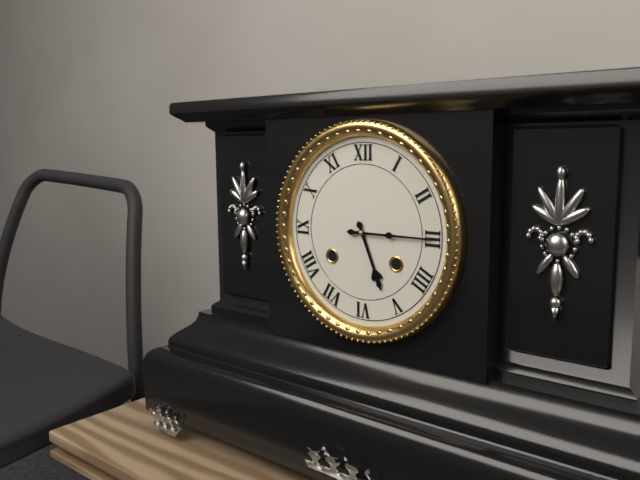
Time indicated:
**5:15**
